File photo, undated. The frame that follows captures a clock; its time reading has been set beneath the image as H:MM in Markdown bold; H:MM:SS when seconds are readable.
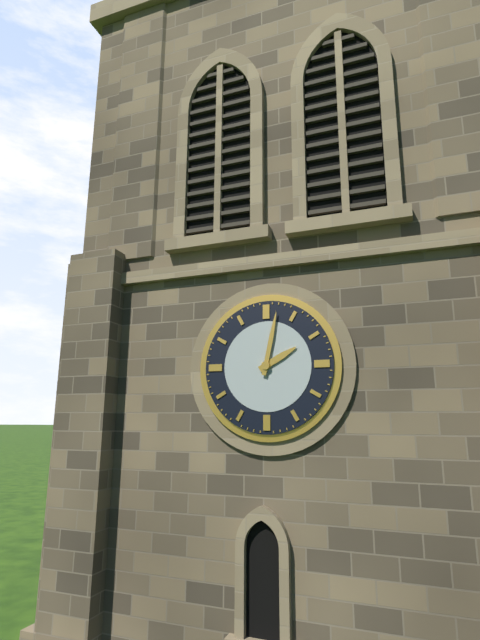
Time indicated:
**2:02**
